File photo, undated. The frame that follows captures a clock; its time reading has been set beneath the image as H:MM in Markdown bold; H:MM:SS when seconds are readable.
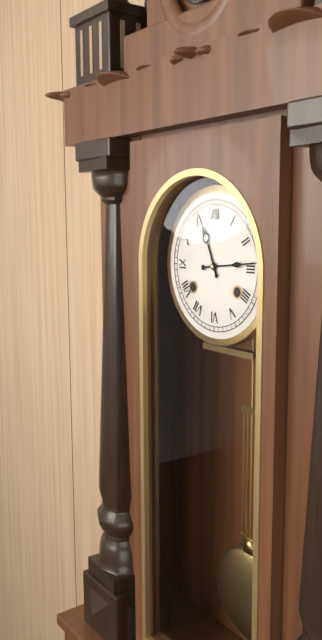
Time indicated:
**11:14**
